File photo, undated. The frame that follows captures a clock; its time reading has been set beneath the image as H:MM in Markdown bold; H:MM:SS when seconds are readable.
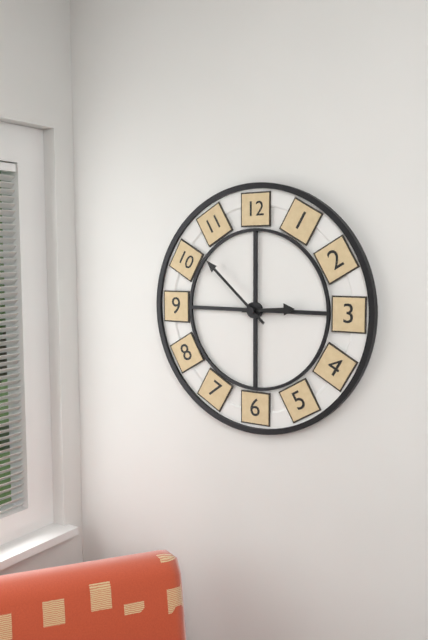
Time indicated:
**2:52**
